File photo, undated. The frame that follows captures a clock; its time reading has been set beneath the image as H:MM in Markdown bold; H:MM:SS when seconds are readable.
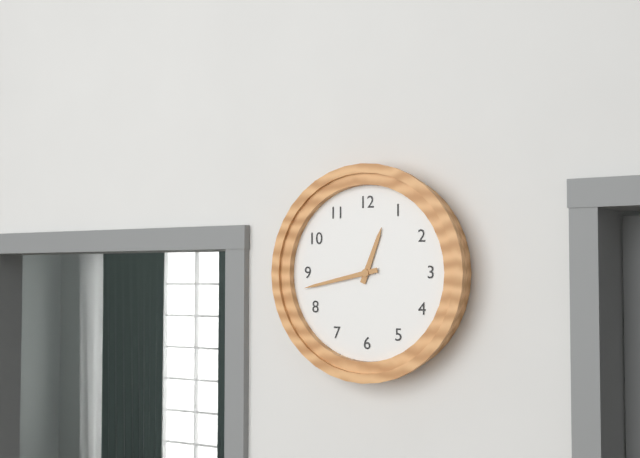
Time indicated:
**12:43**
